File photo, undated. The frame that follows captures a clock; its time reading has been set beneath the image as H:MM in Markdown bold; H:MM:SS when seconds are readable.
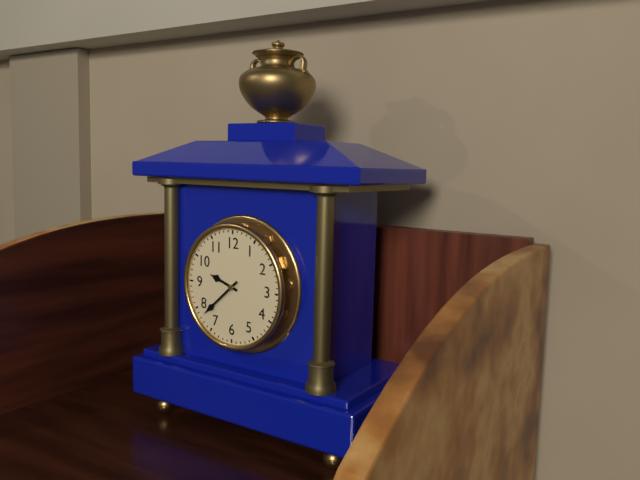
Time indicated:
**9:38**
